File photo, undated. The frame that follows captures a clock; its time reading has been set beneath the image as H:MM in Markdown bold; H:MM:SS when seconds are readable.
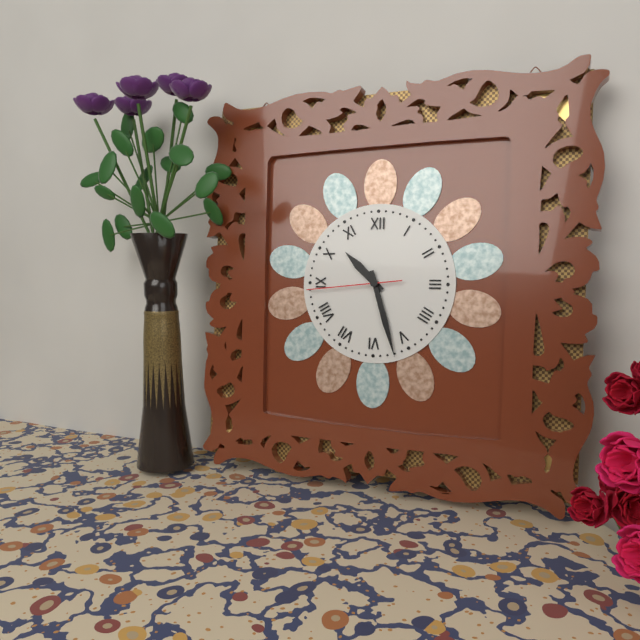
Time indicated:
**10:27:44**
